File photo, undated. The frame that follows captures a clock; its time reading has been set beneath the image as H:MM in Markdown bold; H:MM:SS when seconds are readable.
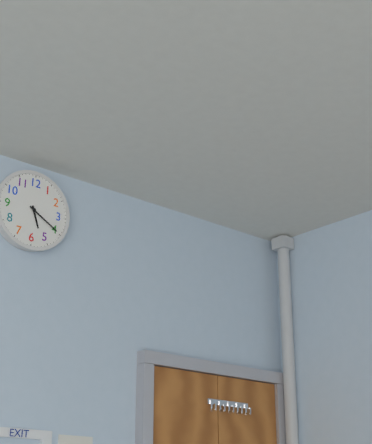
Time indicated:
**5:20**
